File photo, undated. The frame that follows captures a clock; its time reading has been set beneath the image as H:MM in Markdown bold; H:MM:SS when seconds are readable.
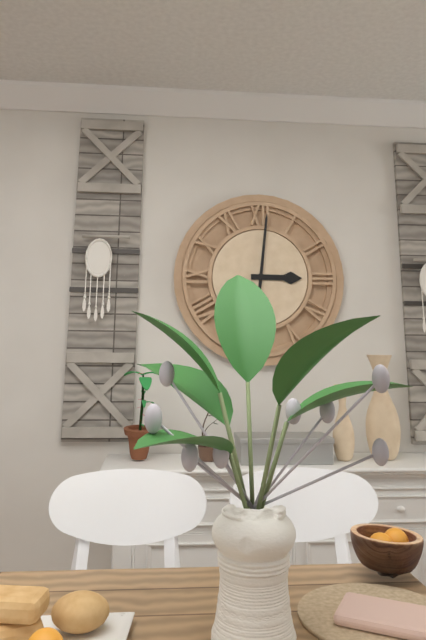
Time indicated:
**3:01**
